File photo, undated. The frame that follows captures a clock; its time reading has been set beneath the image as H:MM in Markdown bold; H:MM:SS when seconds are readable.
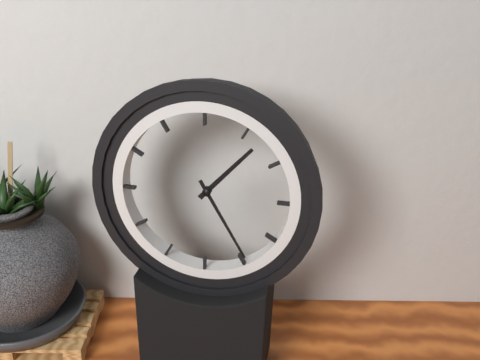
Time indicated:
**1:25**
